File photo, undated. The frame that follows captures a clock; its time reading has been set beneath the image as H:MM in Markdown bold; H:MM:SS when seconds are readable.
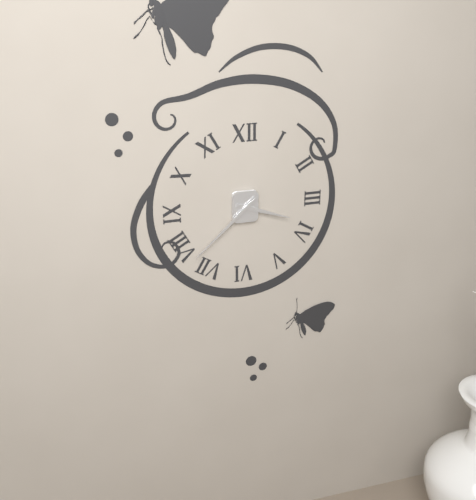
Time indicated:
**3:38**
